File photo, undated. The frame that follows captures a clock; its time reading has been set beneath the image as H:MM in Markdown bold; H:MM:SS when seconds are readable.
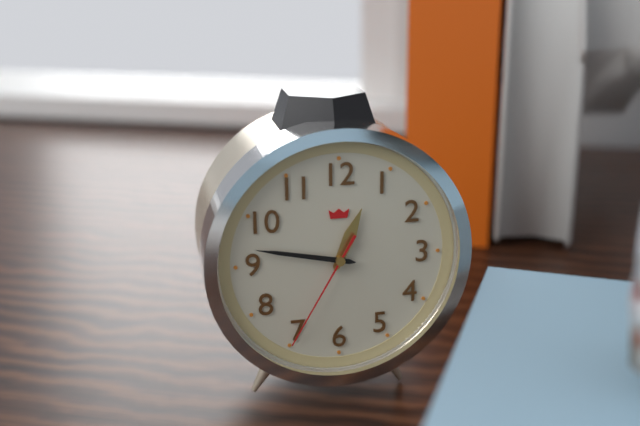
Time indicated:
**12:47:35**
